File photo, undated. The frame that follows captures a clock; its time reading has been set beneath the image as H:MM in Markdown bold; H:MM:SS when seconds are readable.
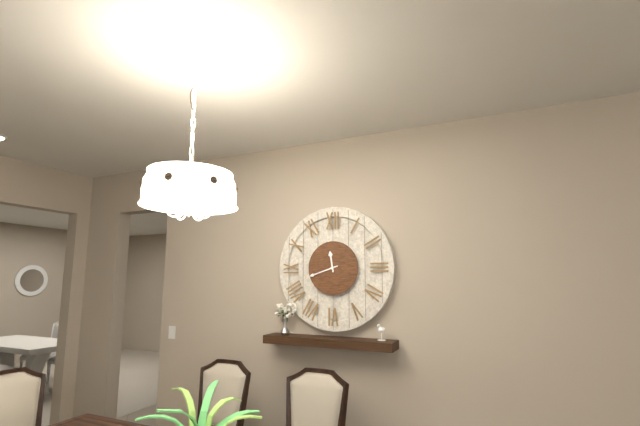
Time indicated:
**11:42**
